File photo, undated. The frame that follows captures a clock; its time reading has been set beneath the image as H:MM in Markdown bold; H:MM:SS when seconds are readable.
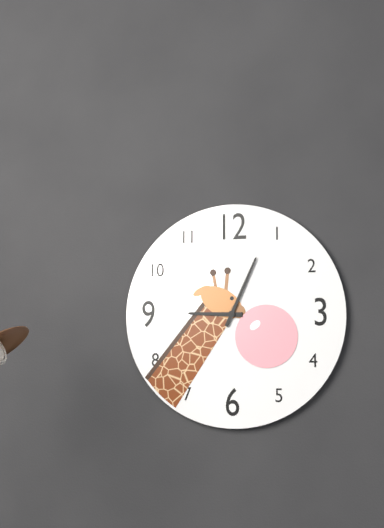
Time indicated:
**9:04**
